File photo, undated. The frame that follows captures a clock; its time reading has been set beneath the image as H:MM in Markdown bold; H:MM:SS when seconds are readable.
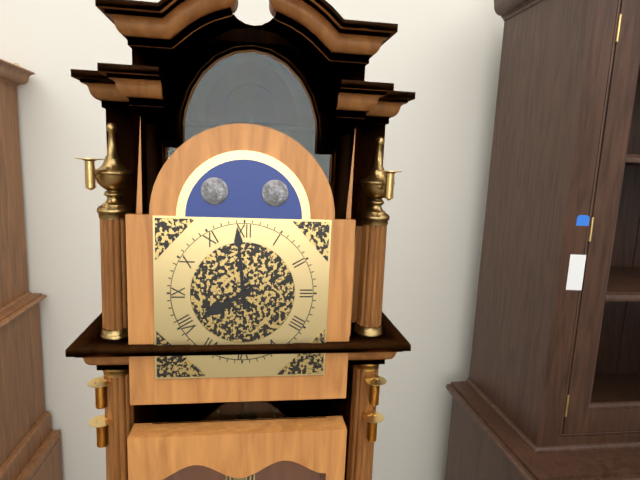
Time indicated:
**7:59**
